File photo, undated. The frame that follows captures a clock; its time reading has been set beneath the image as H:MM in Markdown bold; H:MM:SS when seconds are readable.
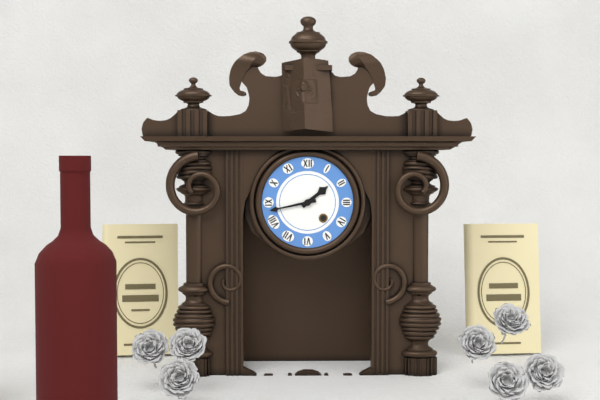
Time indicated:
**1:43**
